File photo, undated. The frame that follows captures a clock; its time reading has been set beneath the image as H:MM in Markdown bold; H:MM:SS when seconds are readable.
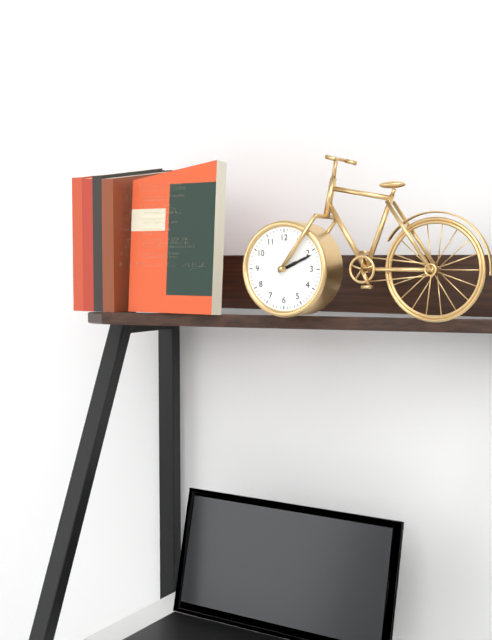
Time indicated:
**2:11**
